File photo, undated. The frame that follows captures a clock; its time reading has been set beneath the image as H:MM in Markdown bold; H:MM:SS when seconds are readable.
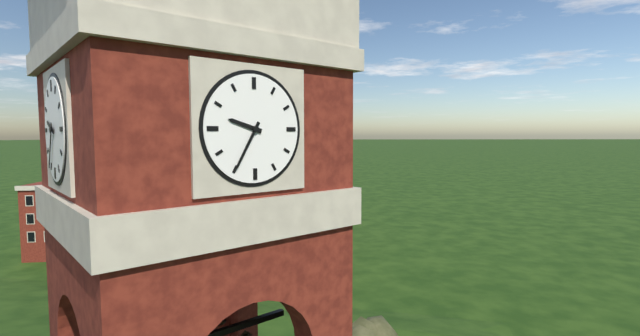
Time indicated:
**9:35**
